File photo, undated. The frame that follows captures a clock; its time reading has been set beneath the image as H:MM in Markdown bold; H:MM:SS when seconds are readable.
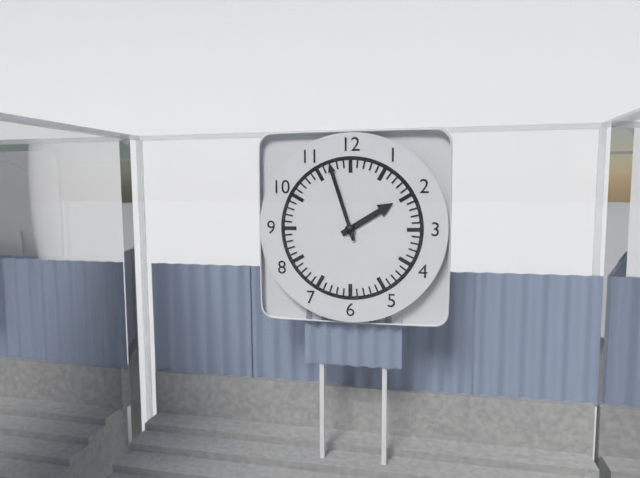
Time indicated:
**1:57**
